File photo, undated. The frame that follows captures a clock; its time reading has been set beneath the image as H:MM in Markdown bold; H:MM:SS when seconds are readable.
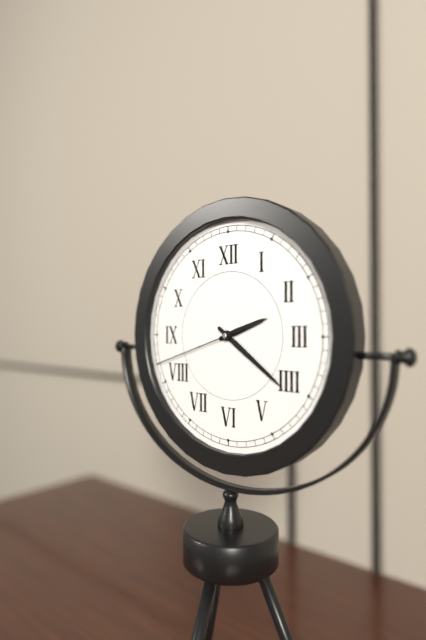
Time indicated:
**2:21:42**
